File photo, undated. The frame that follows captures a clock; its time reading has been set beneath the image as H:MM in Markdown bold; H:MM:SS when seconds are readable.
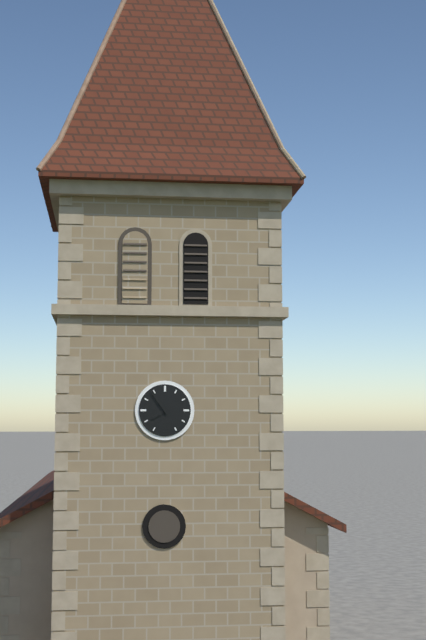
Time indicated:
**7:54**
